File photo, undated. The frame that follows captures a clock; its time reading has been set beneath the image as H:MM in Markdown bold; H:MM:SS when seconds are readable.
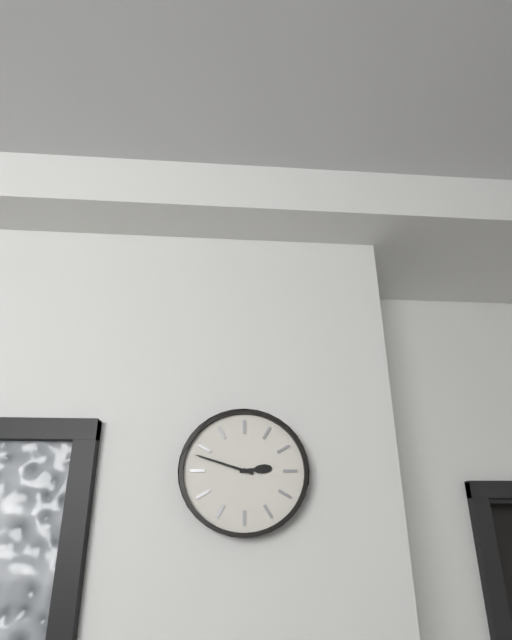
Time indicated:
**2:48**
